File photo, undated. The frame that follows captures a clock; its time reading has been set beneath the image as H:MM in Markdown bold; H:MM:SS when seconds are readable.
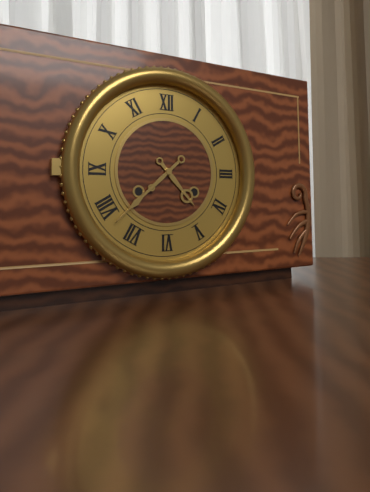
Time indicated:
**4:38**
